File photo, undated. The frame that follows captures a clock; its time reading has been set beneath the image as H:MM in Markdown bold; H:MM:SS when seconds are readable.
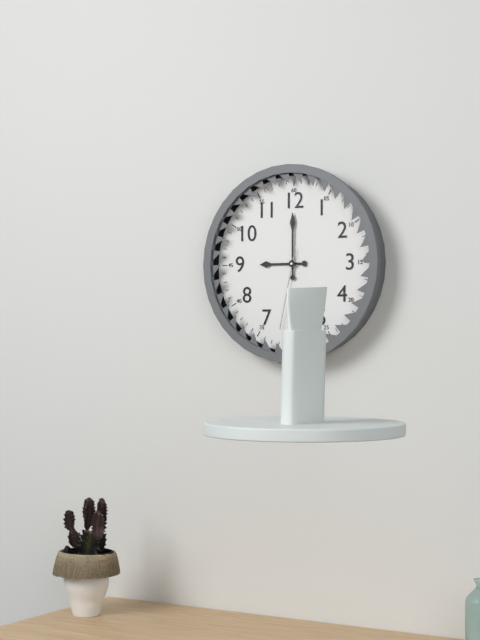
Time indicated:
**9:00:32**
